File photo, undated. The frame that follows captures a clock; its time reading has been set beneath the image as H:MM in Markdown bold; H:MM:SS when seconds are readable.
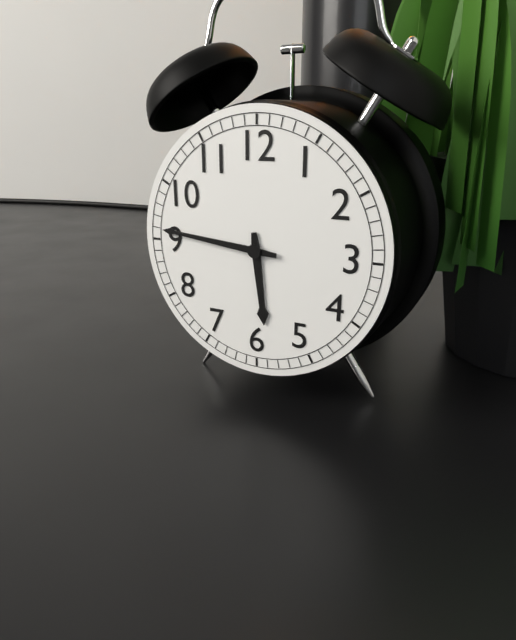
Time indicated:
**5:46**
